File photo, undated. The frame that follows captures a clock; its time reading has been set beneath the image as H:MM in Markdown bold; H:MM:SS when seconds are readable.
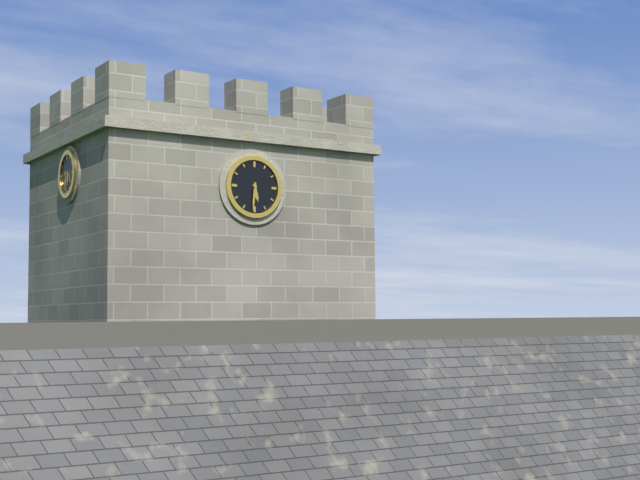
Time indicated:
**5:31**
